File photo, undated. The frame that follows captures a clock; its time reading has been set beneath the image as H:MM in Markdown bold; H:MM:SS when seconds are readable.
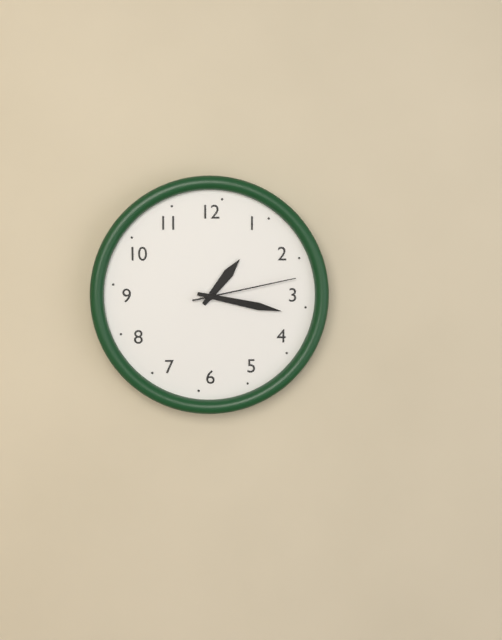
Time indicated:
**1:17:13**
